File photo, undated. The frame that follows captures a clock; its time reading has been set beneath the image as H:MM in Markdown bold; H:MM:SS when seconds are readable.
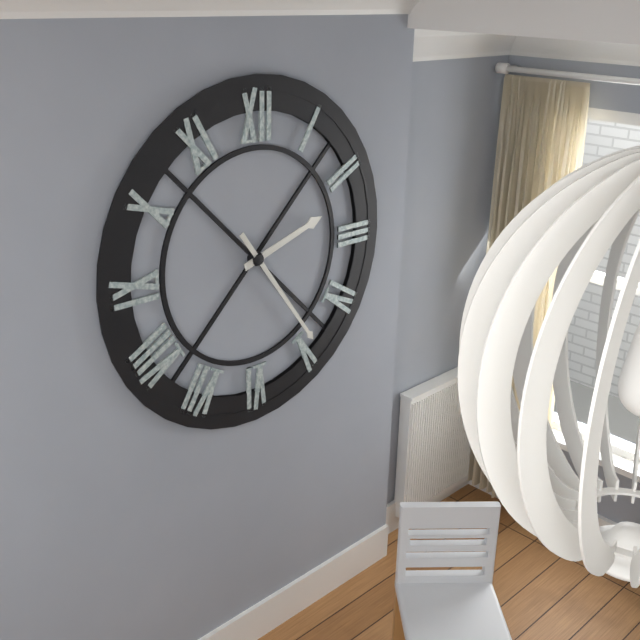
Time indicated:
**2:24**
